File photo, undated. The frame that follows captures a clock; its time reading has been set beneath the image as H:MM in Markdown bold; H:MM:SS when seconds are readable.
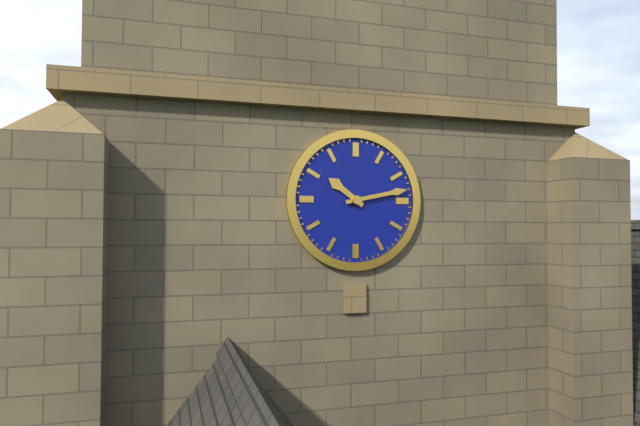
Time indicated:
**10:13**
